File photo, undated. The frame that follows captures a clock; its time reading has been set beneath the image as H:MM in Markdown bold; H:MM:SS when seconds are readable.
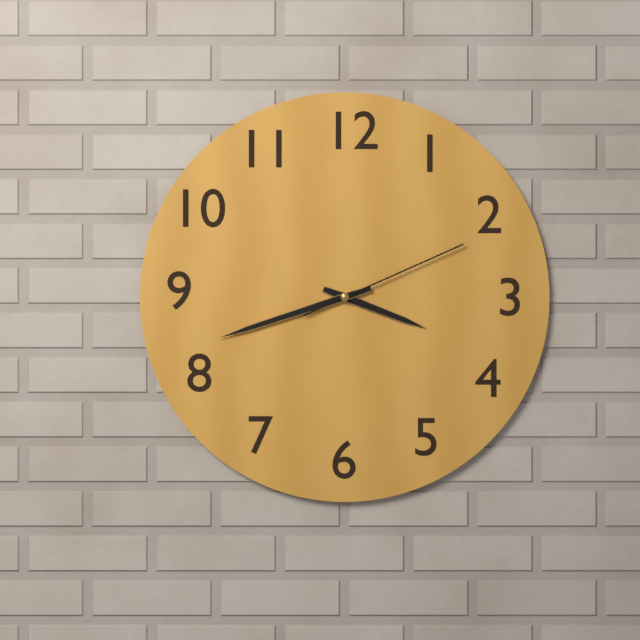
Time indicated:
**3:42:11**
